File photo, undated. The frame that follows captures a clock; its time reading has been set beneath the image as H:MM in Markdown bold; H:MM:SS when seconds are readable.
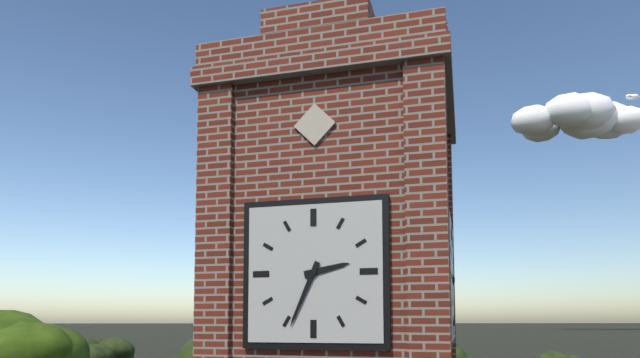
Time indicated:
**2:34**
